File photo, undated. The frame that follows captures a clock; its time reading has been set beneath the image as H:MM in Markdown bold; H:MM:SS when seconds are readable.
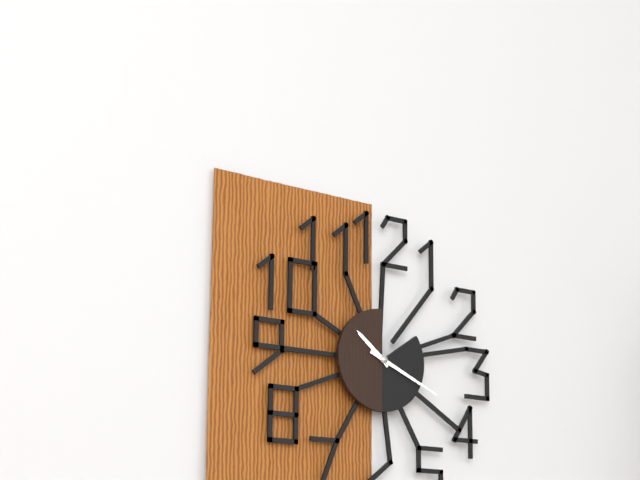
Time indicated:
**10:19**
